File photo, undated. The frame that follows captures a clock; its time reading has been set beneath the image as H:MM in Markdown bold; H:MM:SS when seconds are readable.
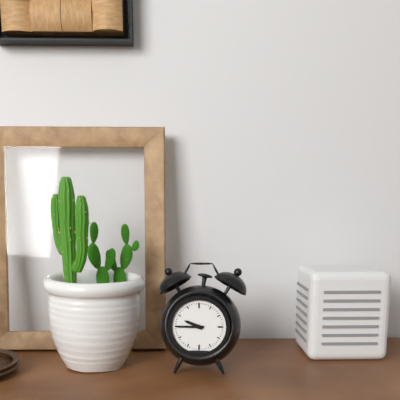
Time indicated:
**9:45**
